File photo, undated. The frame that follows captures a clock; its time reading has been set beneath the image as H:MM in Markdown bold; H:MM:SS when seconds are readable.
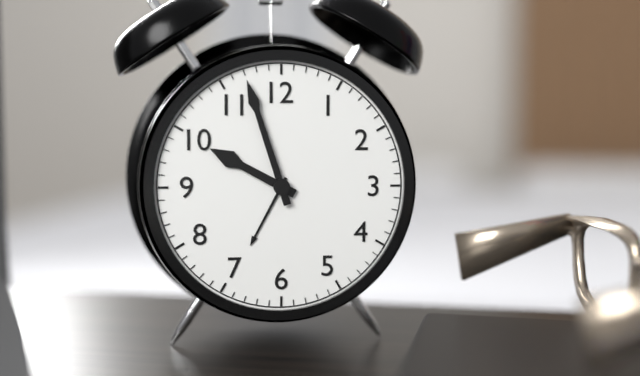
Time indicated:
**9:57**
